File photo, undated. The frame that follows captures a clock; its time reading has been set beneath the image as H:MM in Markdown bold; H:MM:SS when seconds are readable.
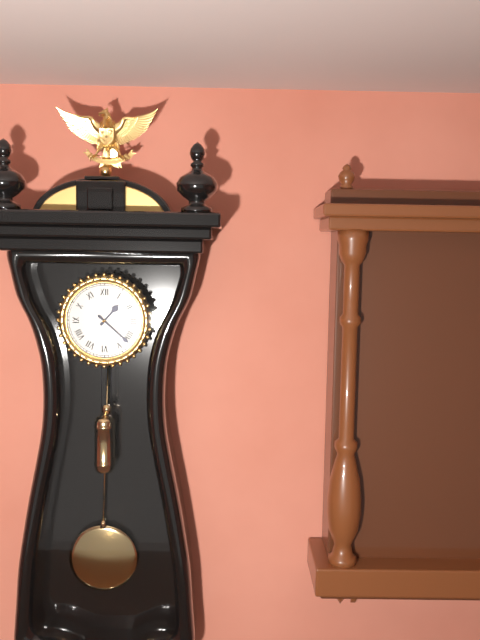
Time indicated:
**1:22**
